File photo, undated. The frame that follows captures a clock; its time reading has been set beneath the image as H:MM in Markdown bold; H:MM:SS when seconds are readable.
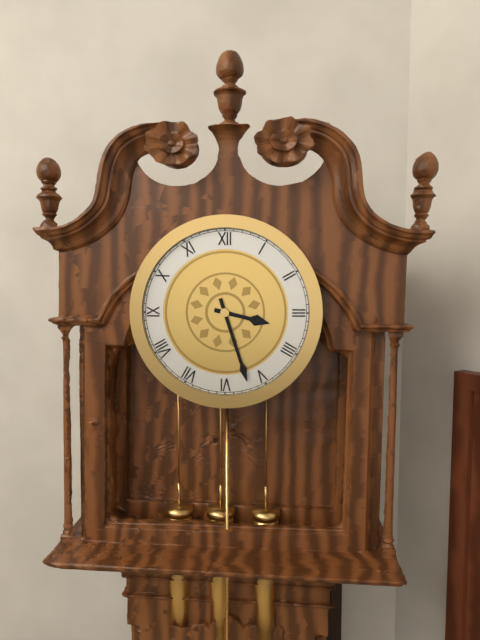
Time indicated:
**3:27**
